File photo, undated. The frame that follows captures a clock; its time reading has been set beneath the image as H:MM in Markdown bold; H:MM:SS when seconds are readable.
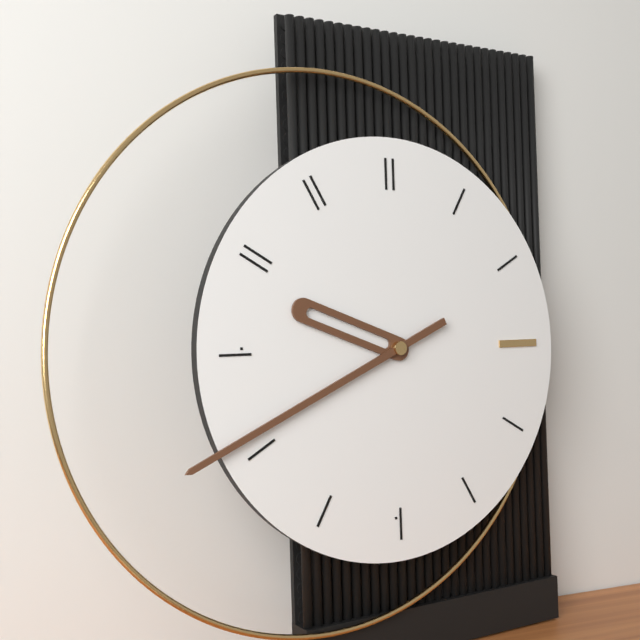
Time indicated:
**9:41**
